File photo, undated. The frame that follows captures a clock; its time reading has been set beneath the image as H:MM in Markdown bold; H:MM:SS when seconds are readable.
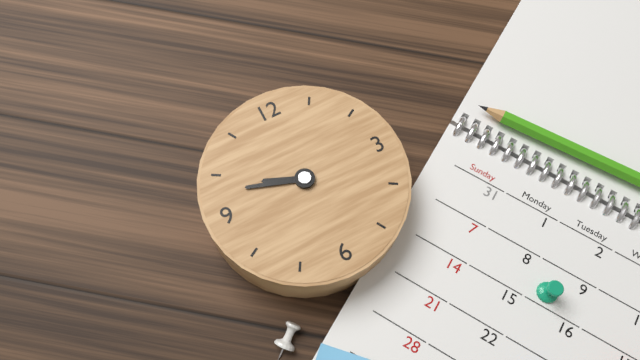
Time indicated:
**9:48**
